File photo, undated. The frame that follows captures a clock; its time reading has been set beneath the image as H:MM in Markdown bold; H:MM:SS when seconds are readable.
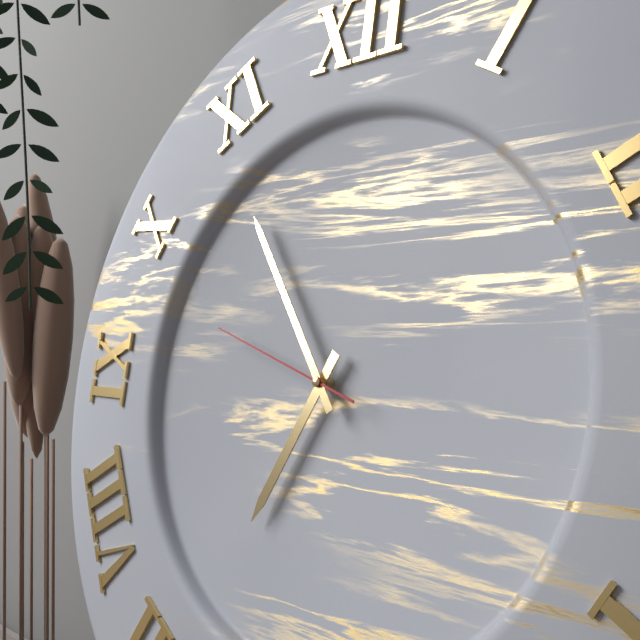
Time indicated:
**6:54:48**
